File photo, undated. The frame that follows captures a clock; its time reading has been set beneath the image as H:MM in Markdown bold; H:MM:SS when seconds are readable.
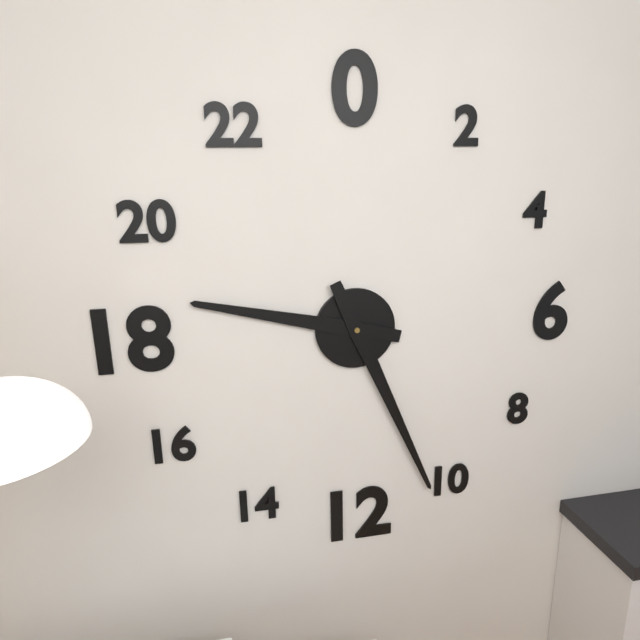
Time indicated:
**9:26**
